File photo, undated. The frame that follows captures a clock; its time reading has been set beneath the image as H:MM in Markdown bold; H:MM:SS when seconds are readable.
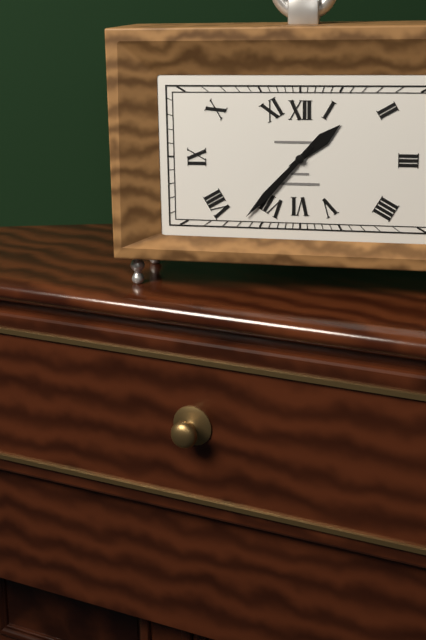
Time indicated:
**1:37**
